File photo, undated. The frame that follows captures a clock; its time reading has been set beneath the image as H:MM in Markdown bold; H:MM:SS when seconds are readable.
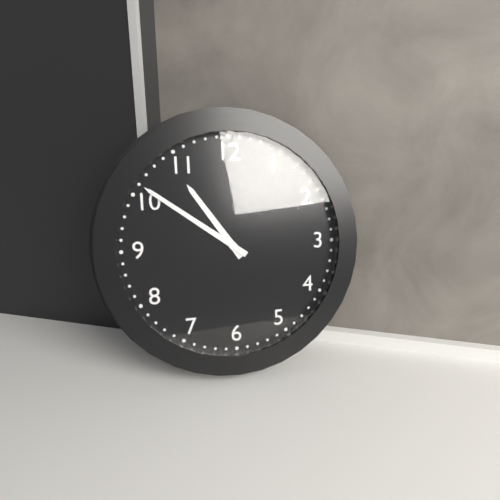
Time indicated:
**10:51**
